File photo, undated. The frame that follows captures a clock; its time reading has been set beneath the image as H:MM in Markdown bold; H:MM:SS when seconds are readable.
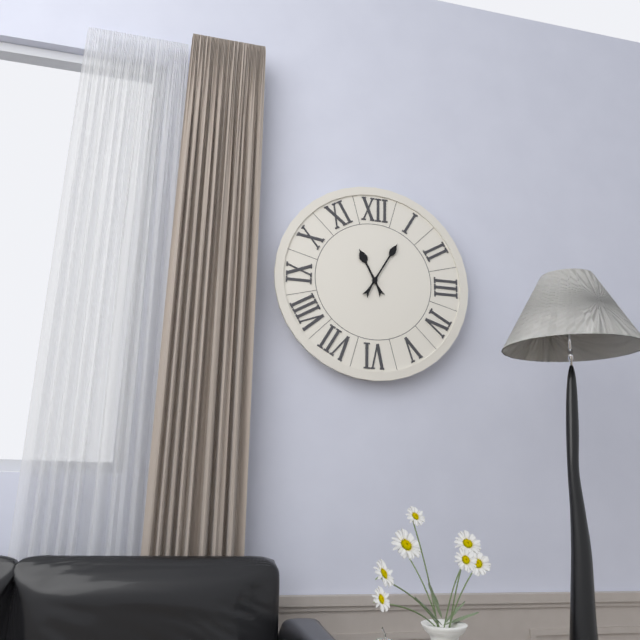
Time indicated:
**11:05**
